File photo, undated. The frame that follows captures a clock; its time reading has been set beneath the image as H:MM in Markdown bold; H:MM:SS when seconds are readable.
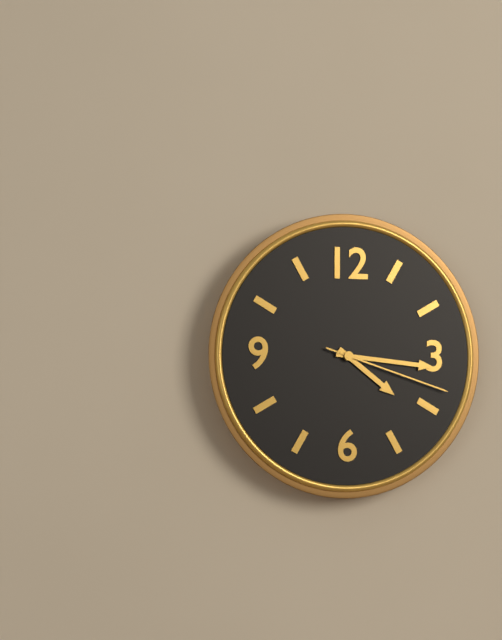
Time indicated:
**4:16:18**
